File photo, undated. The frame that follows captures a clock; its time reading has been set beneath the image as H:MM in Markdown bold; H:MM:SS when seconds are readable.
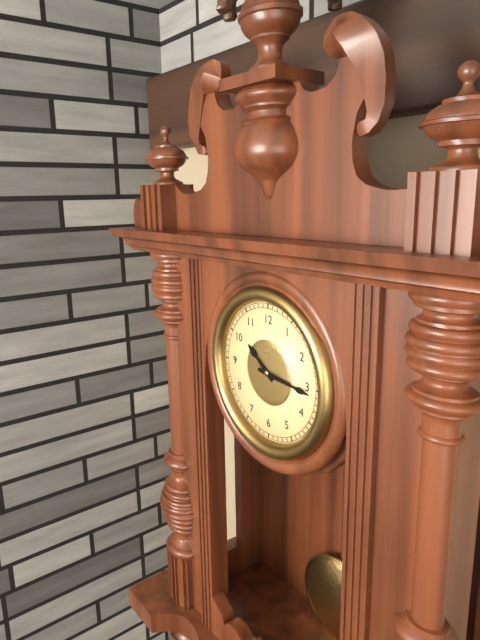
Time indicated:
**10:16**
